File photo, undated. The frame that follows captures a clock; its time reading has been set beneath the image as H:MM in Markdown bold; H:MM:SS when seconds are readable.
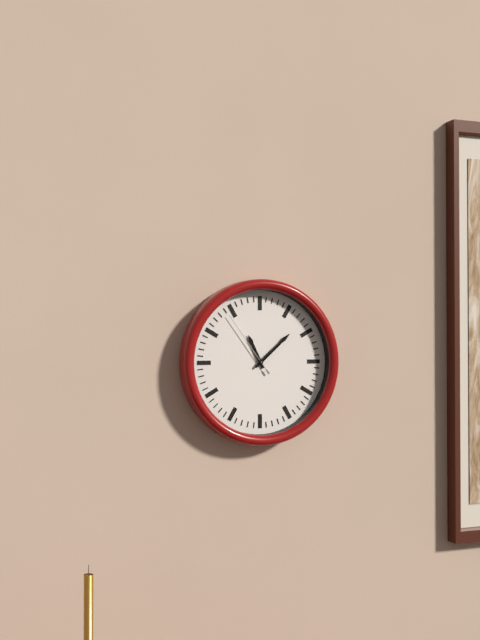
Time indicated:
**11:08:54**
